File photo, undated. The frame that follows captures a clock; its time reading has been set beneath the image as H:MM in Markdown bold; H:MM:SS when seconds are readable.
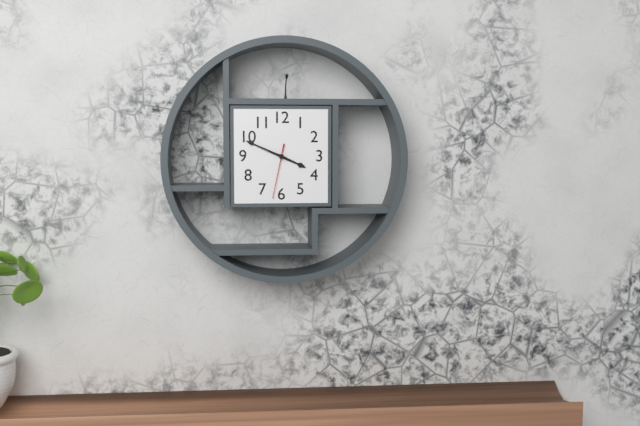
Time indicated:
**3:49:32**
